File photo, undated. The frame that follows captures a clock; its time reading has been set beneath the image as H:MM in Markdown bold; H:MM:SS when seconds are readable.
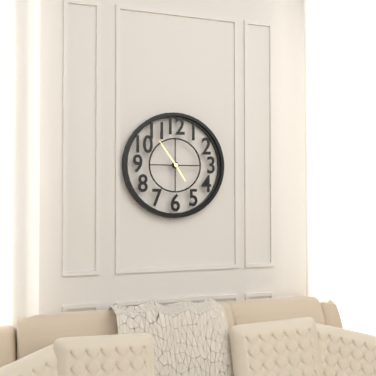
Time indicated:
**4:54**
